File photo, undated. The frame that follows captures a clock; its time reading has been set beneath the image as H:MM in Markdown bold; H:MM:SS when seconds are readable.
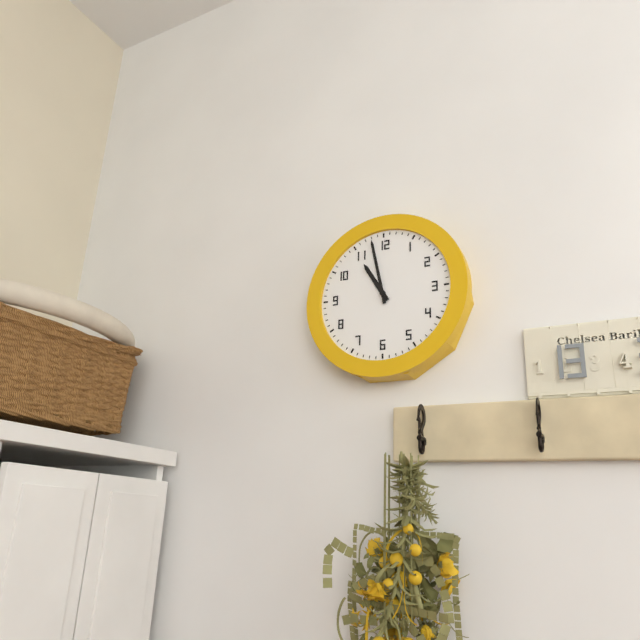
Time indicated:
**10:58**
